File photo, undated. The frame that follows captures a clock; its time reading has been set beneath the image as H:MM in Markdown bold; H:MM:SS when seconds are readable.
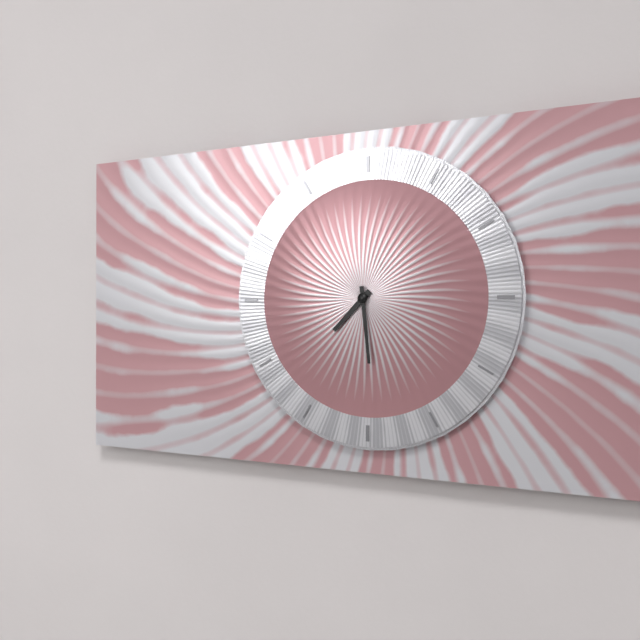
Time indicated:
**7:29**
